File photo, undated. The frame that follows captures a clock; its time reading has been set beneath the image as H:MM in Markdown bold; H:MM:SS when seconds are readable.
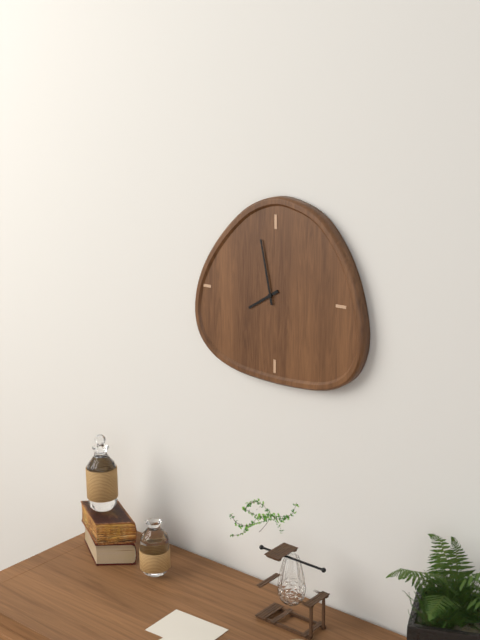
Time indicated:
**7:58**
